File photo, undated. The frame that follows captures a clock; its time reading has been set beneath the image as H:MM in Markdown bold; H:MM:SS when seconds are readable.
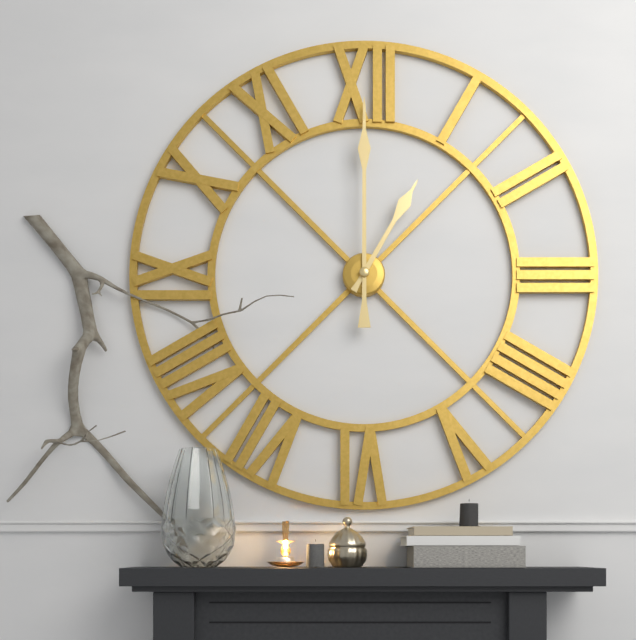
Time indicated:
**1:00**
